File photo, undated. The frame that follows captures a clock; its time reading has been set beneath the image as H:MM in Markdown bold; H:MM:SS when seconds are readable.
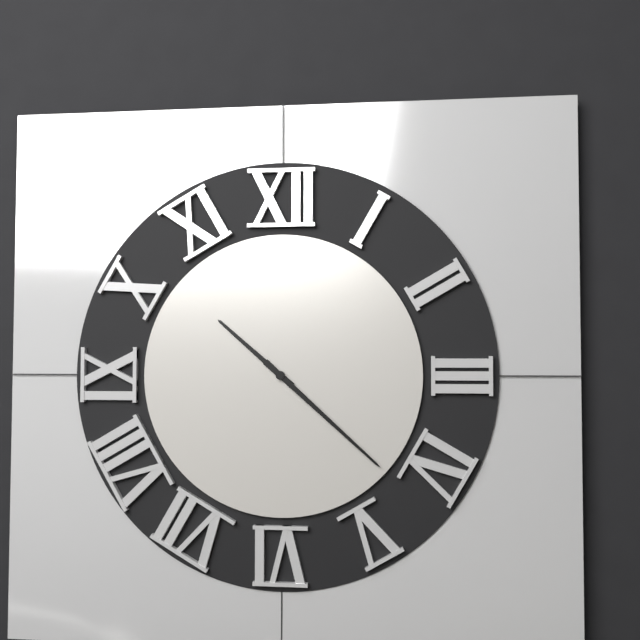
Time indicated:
**10:22**
